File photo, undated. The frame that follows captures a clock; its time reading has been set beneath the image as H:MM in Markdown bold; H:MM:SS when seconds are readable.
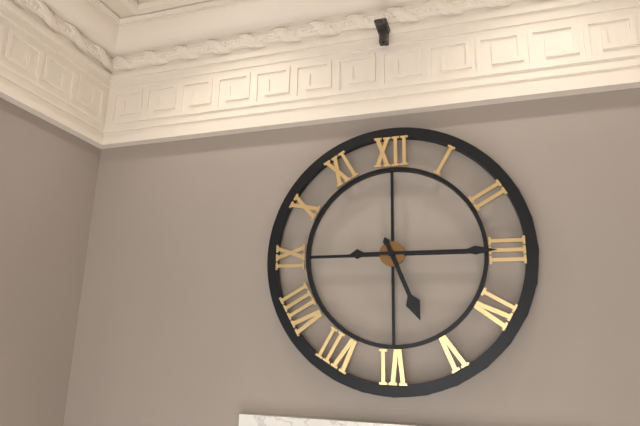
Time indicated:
**5:15**
